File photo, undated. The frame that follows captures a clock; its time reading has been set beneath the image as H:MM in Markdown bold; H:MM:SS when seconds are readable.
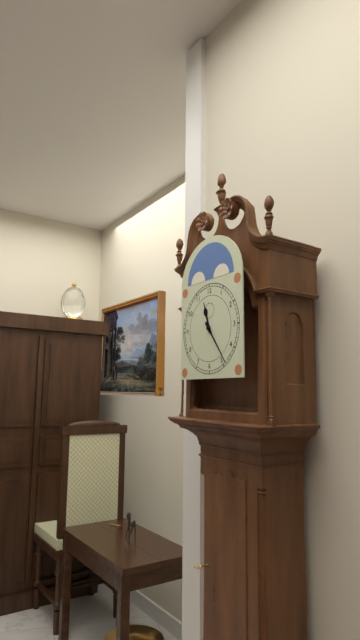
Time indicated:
**11:24**
